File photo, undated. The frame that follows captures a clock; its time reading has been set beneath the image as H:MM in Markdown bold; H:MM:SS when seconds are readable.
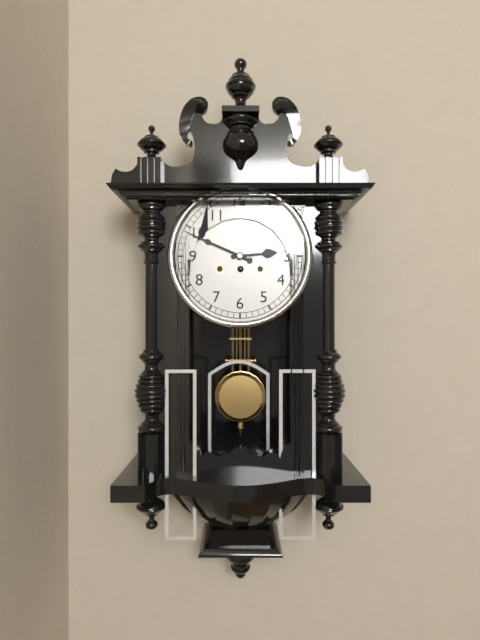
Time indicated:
**2:49**
